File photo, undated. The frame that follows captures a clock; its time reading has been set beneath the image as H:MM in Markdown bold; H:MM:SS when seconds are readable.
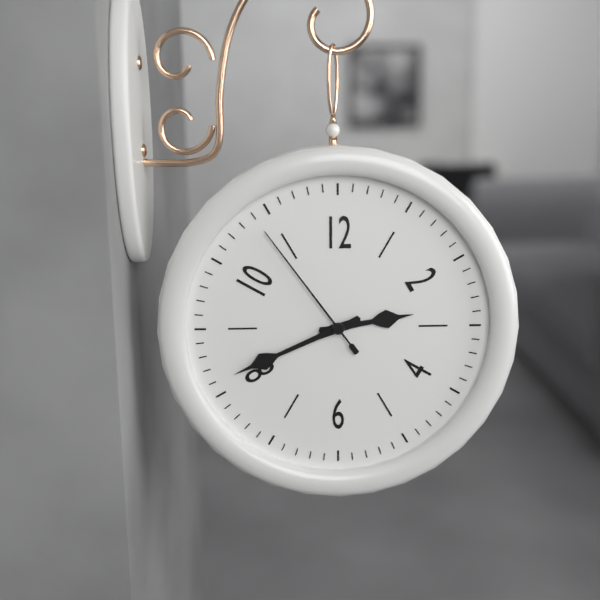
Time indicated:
**2:41:54**
